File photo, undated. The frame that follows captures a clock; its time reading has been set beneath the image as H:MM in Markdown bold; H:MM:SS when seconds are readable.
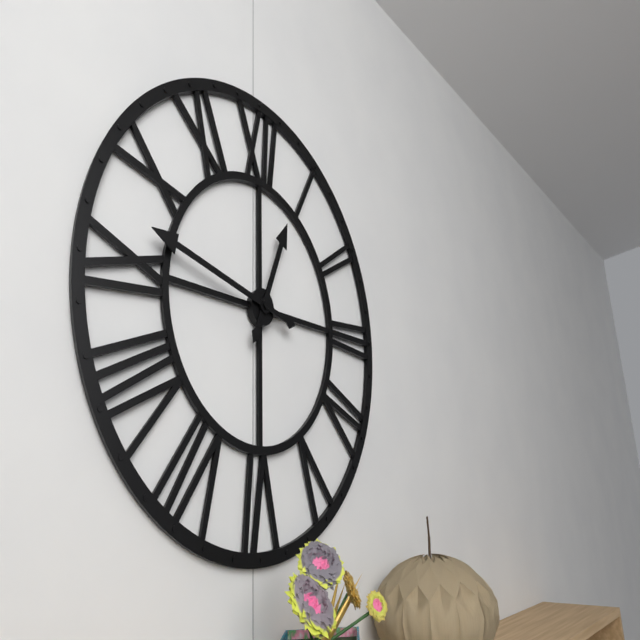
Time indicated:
**12:47**
